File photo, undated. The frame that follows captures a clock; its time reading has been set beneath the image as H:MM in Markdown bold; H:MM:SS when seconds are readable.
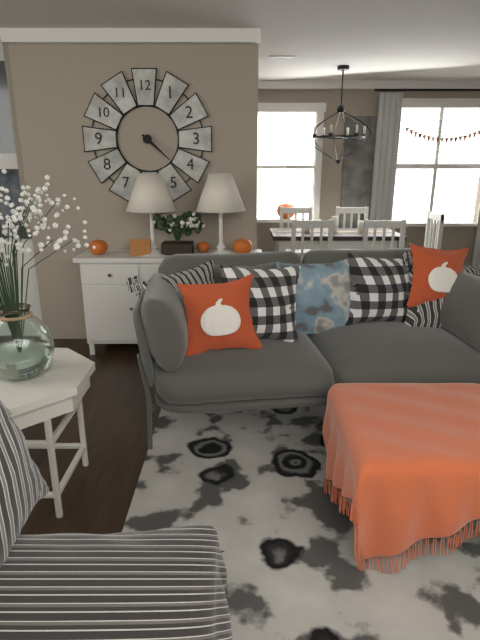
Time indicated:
**4:22**
